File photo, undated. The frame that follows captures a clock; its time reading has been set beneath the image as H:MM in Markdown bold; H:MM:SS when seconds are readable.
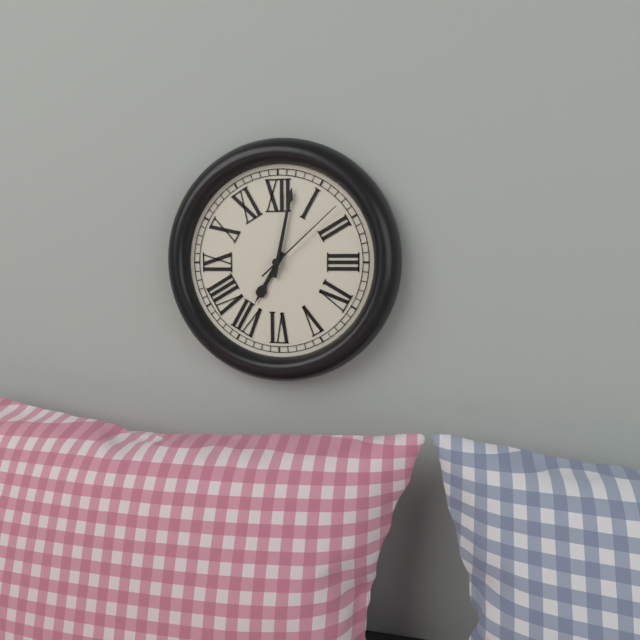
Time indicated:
**7:02:08**
